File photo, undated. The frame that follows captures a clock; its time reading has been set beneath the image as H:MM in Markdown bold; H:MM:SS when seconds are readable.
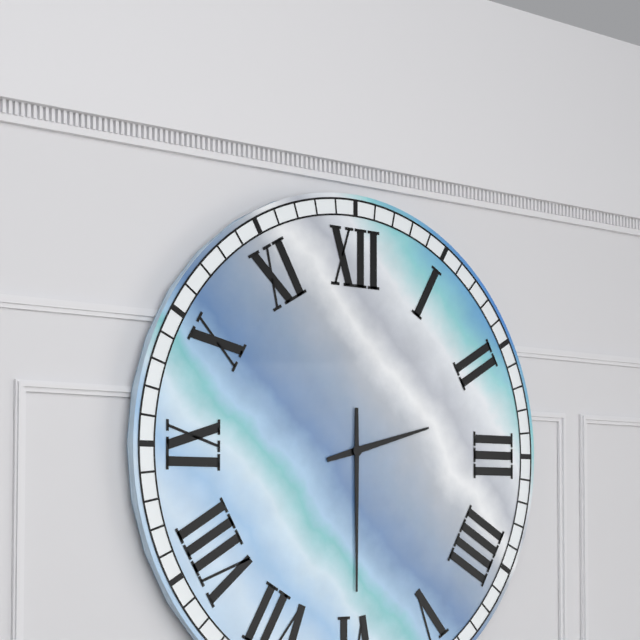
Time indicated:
**2:30**
